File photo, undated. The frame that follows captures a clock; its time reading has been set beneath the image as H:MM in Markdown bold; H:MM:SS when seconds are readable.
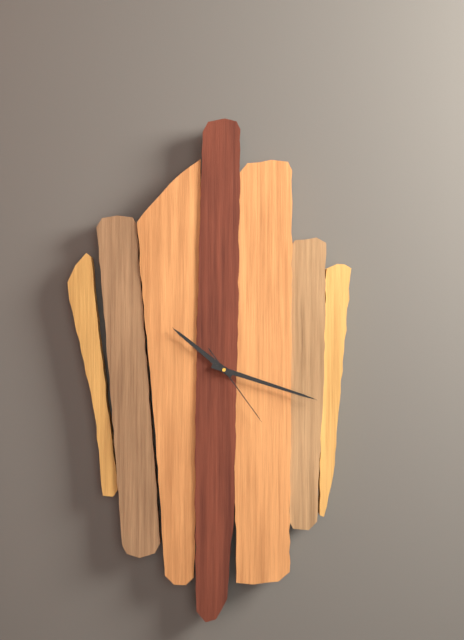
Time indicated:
**10:18:24**
